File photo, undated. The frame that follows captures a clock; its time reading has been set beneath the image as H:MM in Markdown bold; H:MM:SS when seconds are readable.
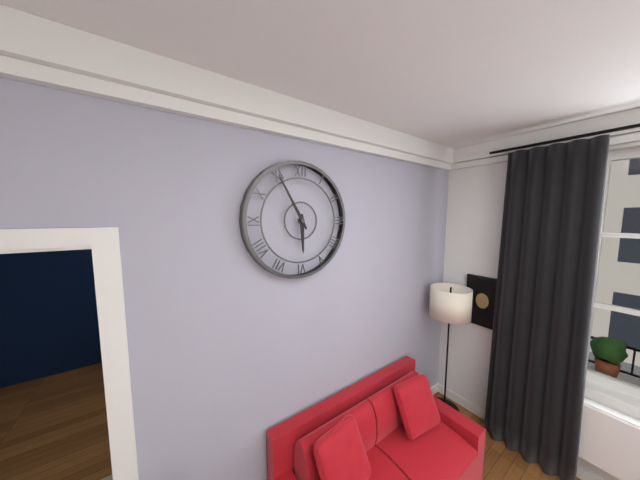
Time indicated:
**5:55**
